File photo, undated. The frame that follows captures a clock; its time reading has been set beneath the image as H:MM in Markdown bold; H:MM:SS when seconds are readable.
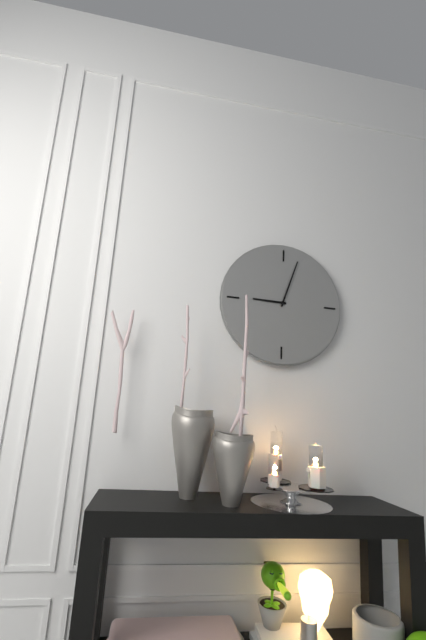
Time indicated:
**9:03**
